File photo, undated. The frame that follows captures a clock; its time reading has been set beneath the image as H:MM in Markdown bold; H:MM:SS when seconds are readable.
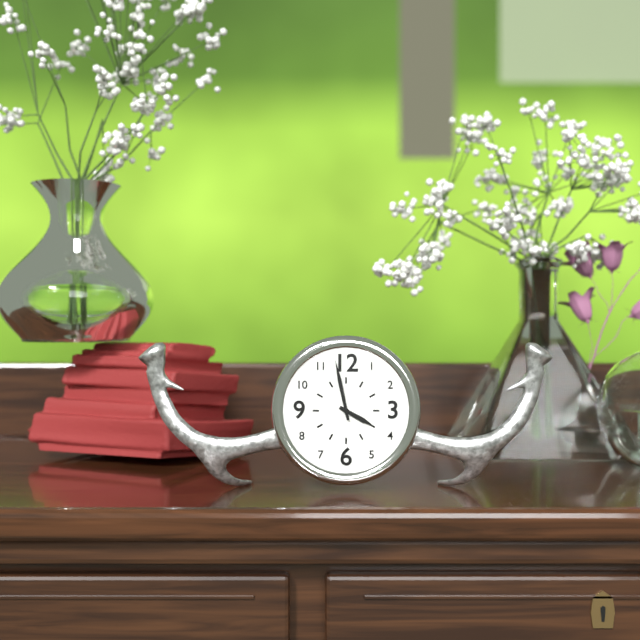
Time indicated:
**3:58**
